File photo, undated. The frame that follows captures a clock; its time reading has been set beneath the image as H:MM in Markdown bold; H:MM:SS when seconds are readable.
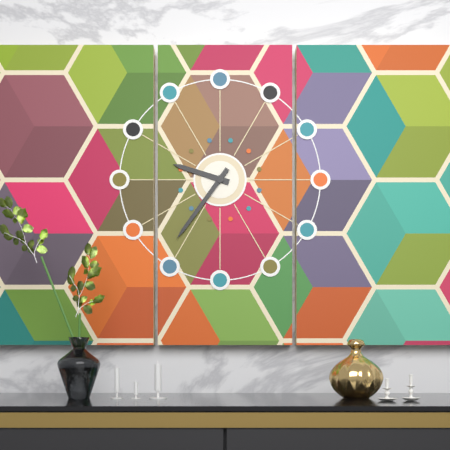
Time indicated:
**9:36**
